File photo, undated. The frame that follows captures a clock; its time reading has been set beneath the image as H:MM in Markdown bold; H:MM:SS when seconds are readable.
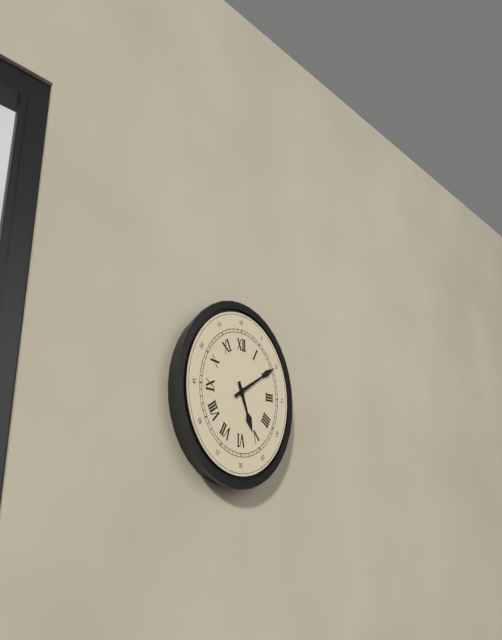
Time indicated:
**5:10**
